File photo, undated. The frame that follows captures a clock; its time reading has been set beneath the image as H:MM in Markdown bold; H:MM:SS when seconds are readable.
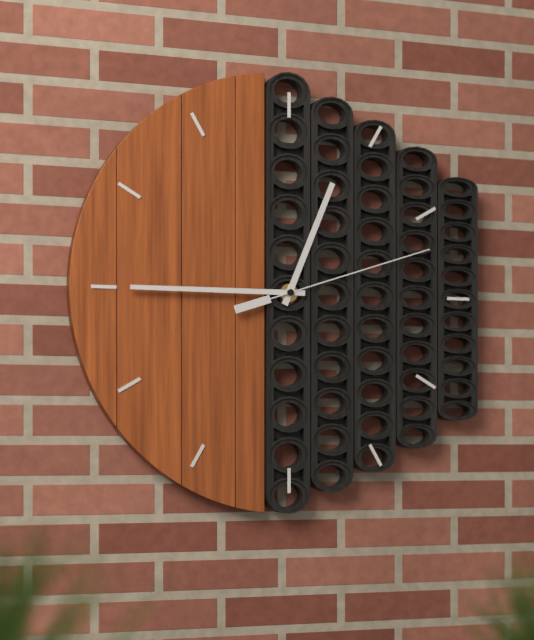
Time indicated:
**12:45:12**
